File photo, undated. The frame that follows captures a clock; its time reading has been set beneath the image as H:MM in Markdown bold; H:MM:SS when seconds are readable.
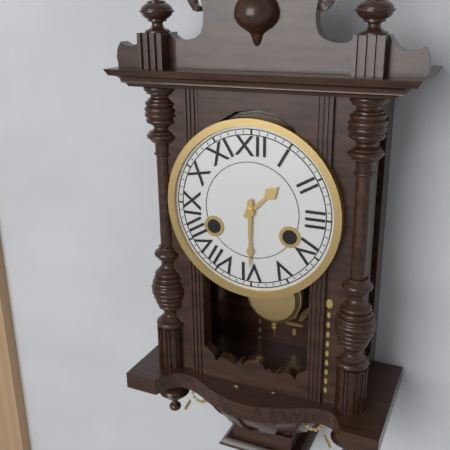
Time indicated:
**1:30**
